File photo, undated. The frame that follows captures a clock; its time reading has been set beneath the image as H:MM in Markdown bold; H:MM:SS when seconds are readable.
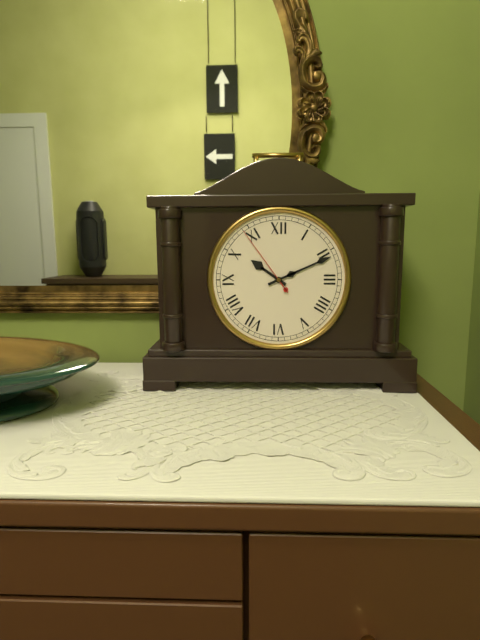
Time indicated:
**10:11:54**
